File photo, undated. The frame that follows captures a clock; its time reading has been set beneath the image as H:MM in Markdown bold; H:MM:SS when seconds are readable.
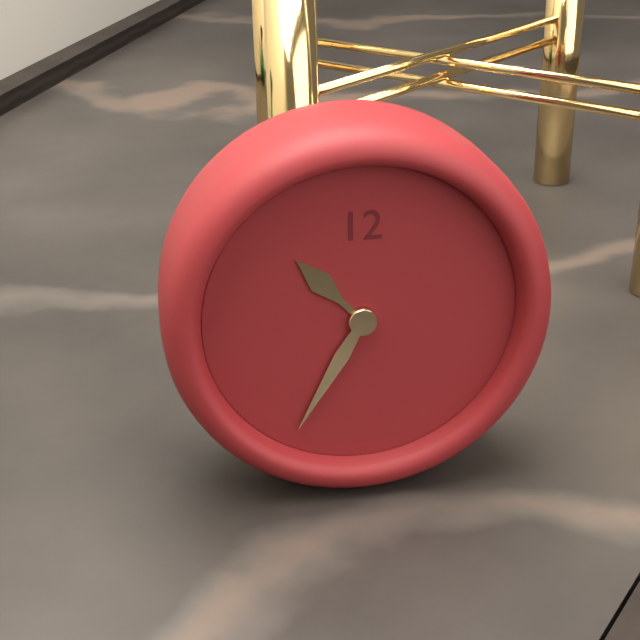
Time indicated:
**10:35**
